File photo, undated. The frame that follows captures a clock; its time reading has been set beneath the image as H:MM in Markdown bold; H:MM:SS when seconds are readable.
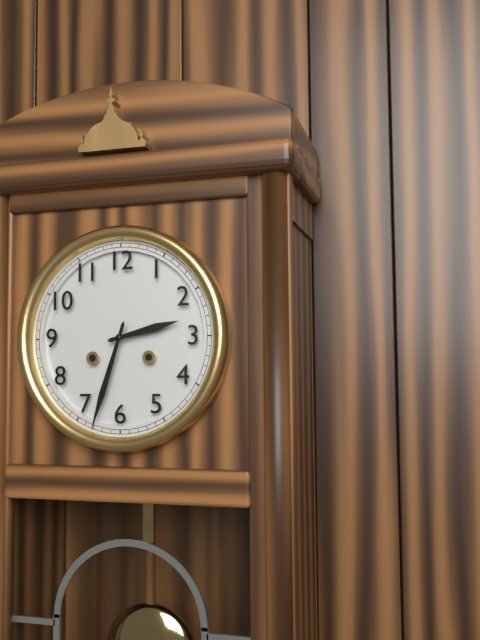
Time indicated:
**2:33**
